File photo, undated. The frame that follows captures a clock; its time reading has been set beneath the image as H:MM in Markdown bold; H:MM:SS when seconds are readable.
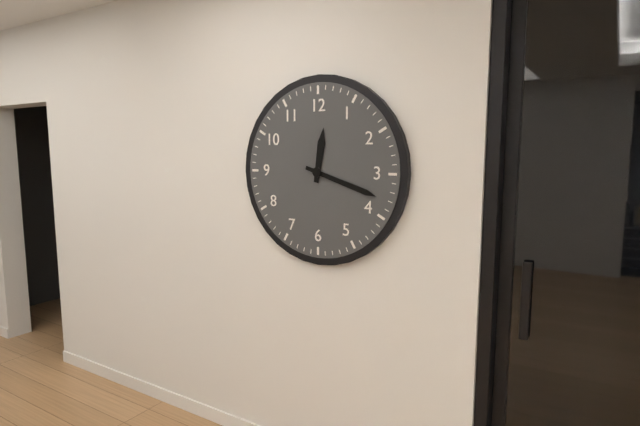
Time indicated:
**12:18**
